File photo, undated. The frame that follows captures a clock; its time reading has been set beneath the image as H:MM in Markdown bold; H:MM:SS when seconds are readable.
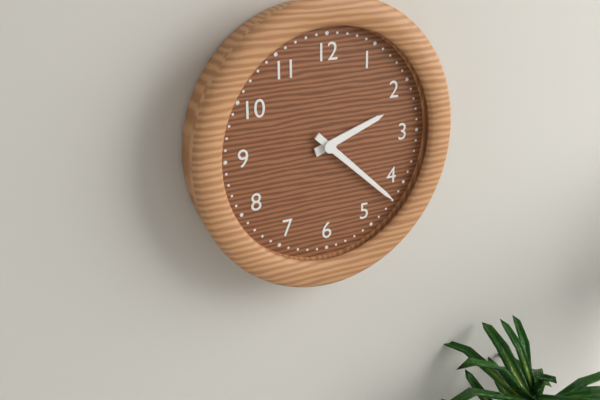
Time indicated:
**2:22**
